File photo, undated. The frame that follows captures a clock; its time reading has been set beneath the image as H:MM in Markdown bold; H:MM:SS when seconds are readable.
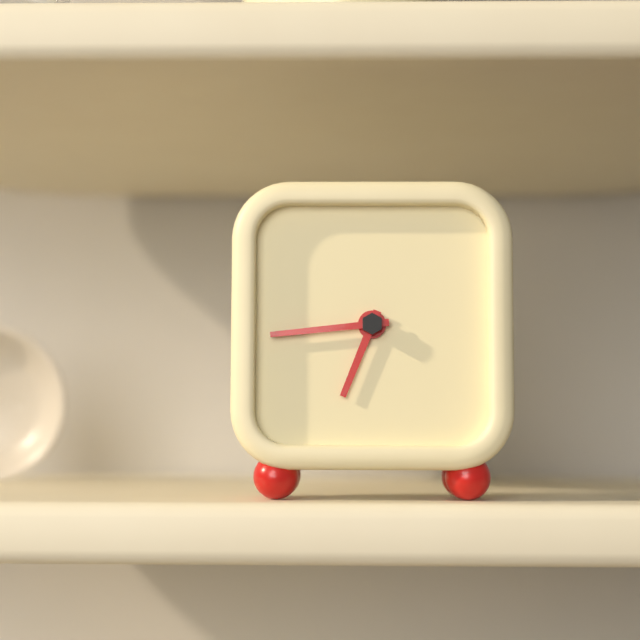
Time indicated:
**6:44**
